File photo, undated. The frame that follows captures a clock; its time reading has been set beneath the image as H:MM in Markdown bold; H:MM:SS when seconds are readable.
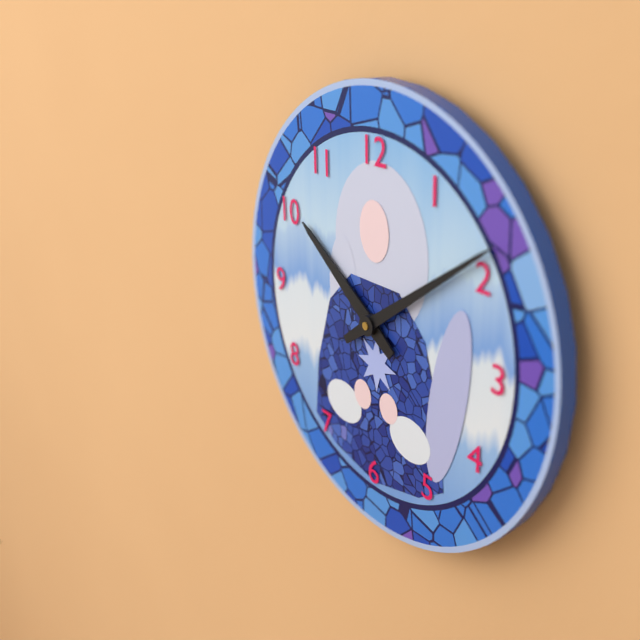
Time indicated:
**10:09**
